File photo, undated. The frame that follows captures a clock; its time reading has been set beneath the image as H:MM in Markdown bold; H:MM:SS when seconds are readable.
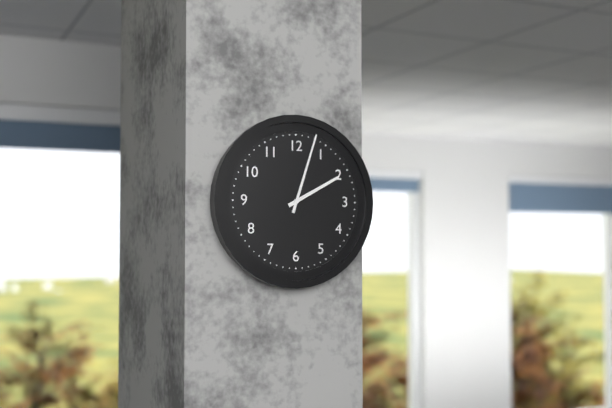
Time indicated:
**2:03**
